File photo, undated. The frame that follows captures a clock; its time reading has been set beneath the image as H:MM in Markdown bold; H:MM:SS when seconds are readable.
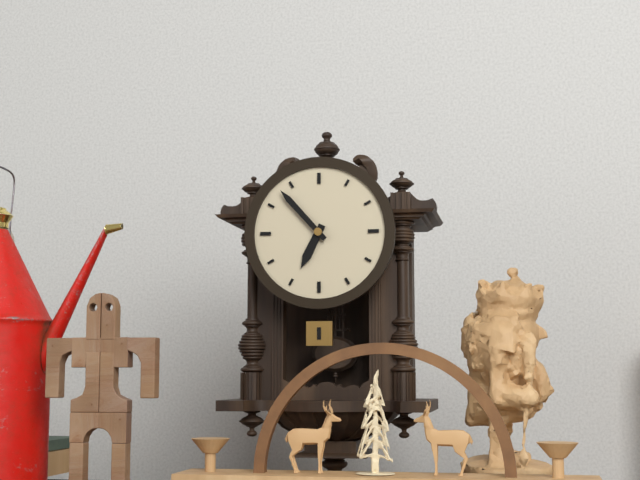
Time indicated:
**6:53**
